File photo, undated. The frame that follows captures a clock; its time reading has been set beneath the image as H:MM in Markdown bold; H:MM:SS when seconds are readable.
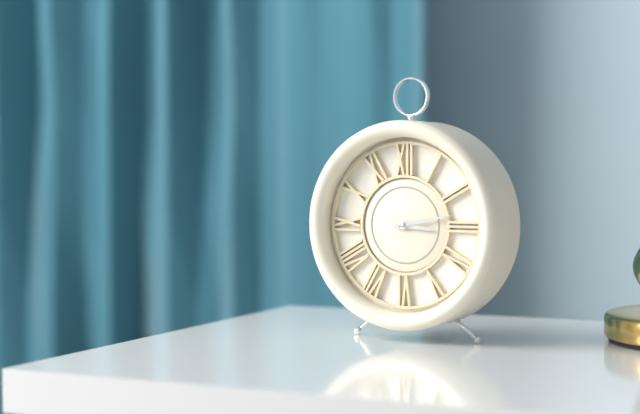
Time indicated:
**3:13**
